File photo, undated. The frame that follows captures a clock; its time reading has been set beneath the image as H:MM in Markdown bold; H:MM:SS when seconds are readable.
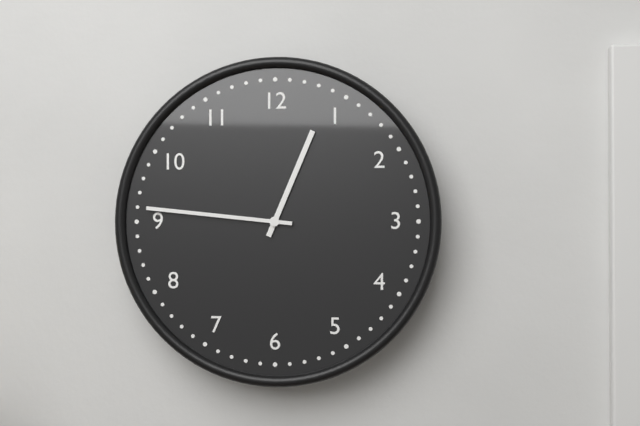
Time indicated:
**12:46**
